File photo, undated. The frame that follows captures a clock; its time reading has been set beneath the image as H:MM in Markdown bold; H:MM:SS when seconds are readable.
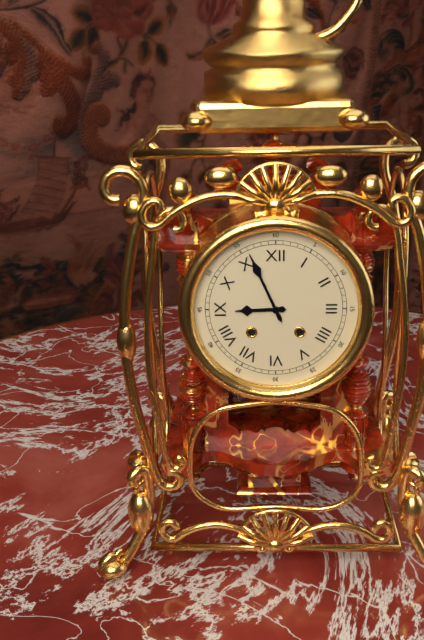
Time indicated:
**8:56**
